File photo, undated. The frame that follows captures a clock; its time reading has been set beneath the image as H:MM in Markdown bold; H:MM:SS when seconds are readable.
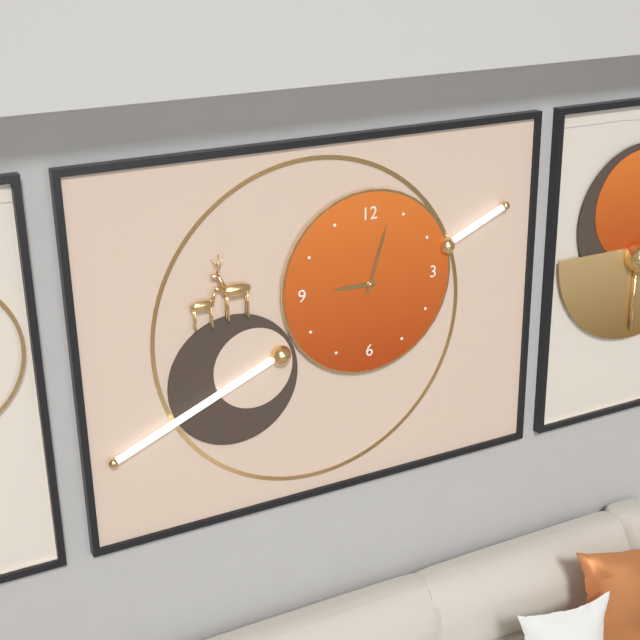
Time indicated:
**9:03**
